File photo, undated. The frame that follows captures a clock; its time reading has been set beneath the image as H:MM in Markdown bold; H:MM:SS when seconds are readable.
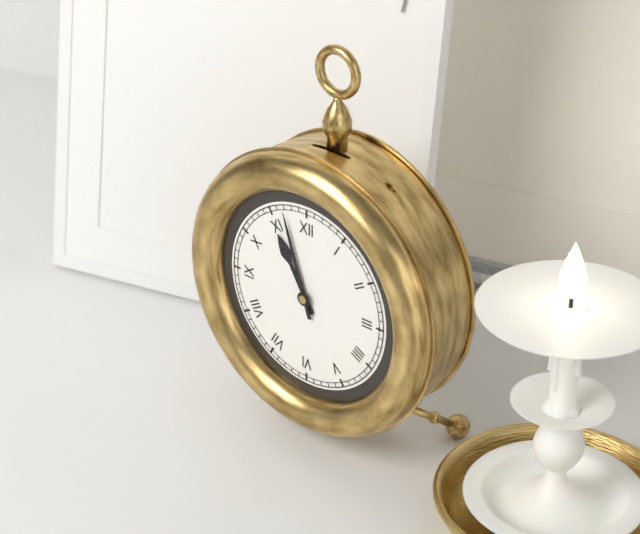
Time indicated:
**10:57**
